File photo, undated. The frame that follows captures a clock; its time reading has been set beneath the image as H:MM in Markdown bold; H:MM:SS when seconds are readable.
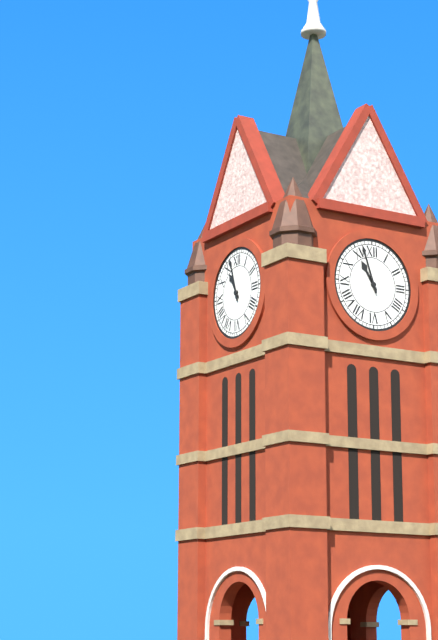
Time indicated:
**10:57**
